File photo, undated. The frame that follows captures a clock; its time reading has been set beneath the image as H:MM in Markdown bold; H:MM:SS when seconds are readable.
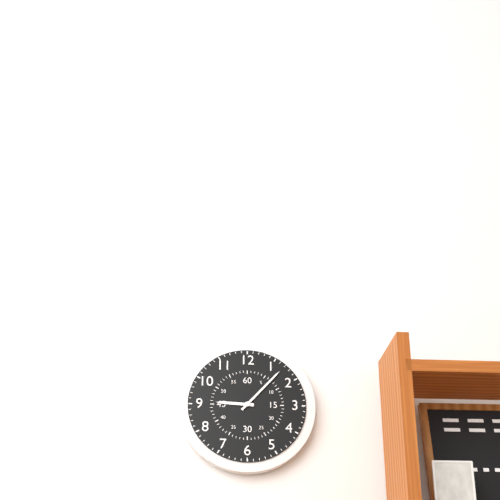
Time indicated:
**9:07**
